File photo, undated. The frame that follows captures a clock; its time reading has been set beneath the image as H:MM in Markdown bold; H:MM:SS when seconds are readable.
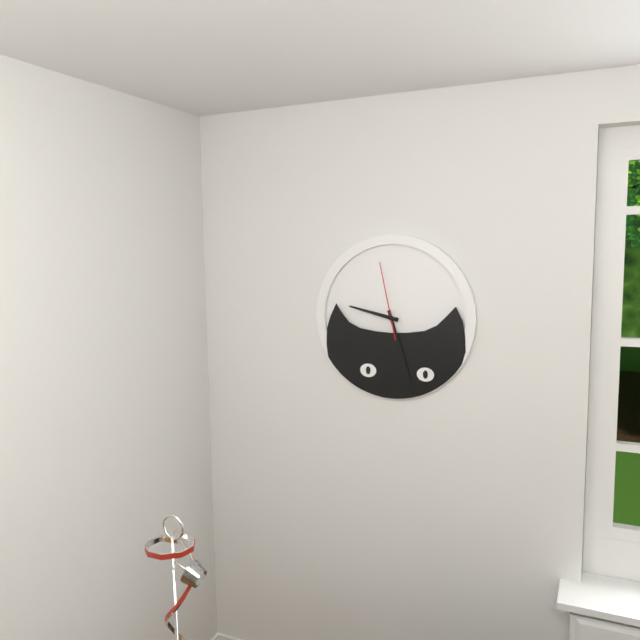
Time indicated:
**9:27:58**
